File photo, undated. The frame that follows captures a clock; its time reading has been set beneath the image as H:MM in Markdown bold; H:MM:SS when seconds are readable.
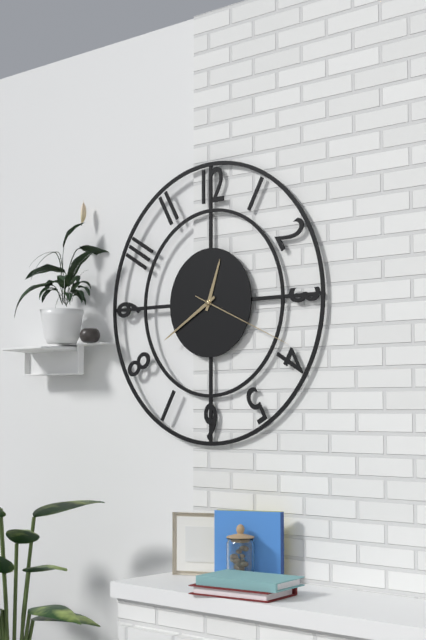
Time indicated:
**12:40:19**
